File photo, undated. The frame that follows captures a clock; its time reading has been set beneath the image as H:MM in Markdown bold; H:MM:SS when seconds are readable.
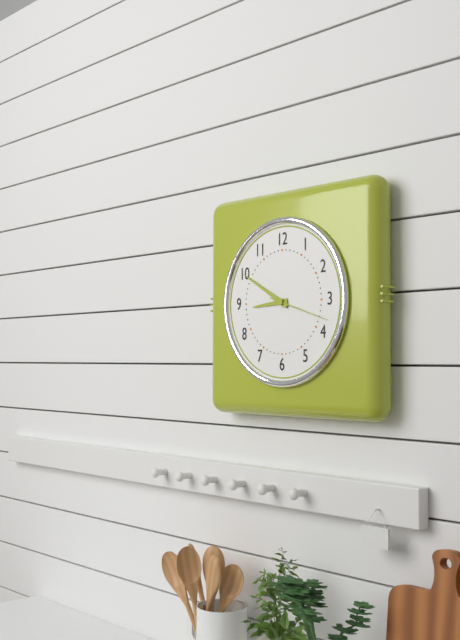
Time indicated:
**8:50:18**
